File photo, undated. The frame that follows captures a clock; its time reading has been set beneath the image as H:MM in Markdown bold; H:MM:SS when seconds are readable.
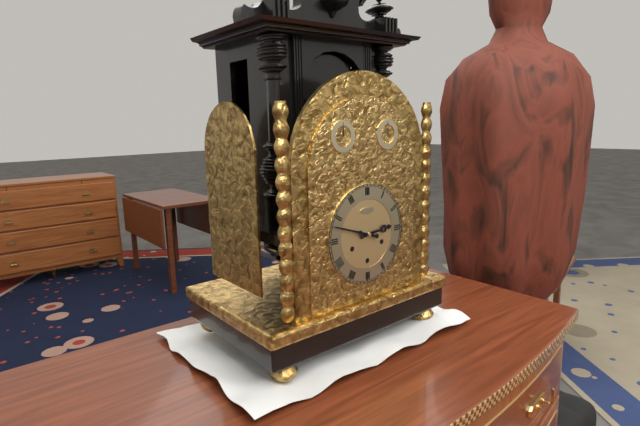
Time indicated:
**2:48**
